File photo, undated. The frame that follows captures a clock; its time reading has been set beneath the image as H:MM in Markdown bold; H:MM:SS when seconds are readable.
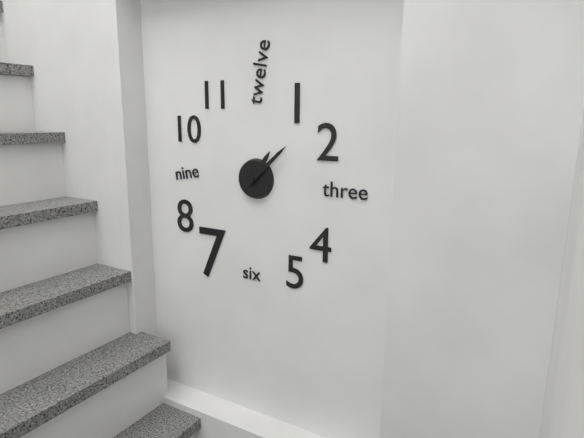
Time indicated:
**1:08**
